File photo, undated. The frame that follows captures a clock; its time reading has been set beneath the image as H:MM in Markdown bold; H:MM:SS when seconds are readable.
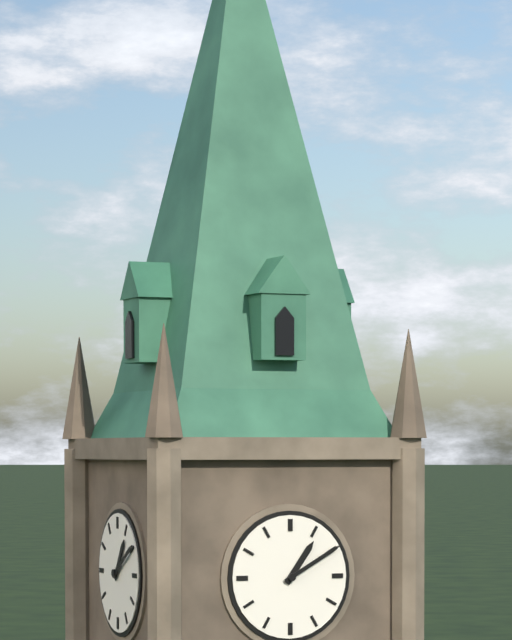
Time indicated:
**1:10**
